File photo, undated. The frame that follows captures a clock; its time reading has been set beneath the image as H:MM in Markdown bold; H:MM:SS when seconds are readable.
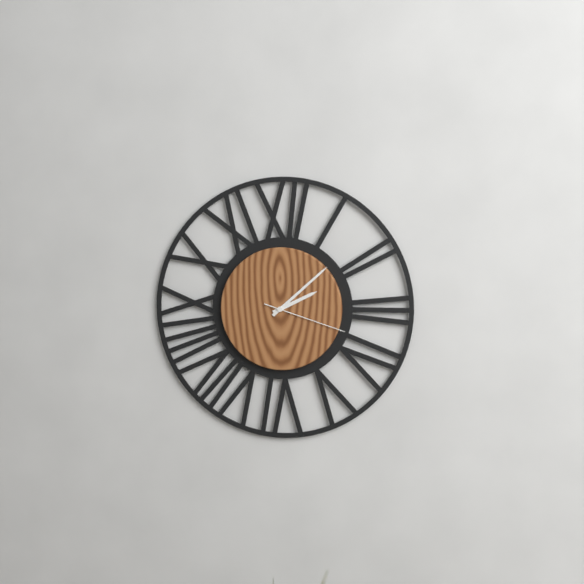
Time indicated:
**2:08:18**
